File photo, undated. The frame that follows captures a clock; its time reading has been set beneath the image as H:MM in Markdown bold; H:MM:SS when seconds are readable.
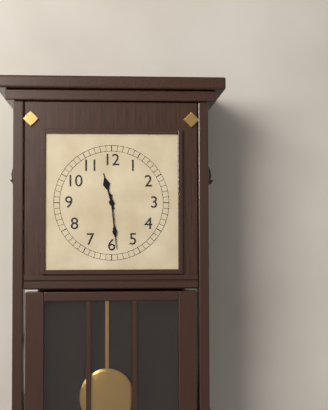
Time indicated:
**11:29**
